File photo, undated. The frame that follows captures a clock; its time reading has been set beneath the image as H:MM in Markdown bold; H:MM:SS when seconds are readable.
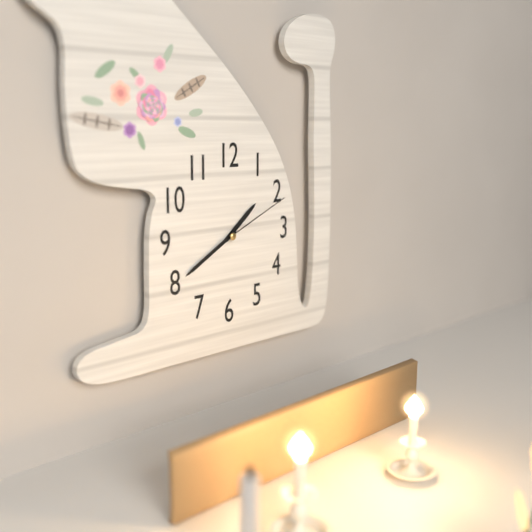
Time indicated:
**1:40:11**
